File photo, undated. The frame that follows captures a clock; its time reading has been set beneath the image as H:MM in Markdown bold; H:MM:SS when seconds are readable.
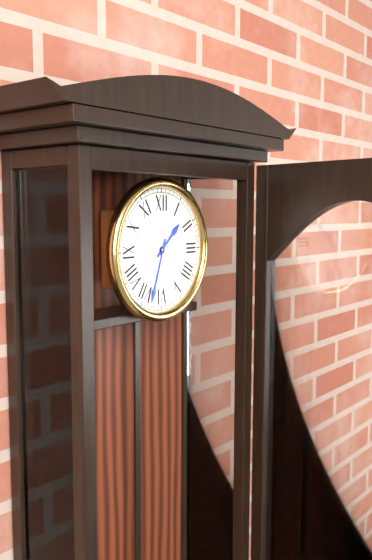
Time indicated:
**1:33**
